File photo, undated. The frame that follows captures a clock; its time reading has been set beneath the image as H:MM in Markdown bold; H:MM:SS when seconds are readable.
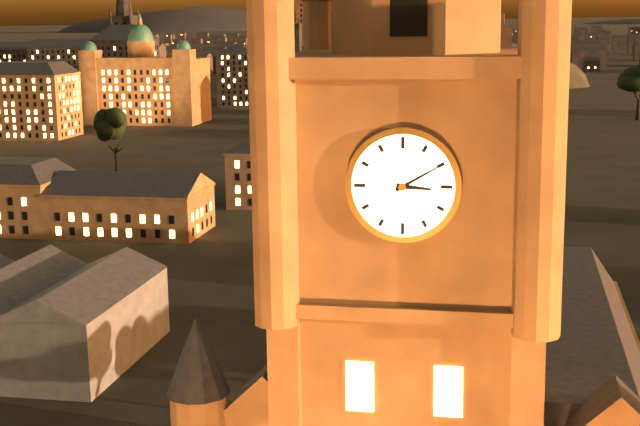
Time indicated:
**3:10**
